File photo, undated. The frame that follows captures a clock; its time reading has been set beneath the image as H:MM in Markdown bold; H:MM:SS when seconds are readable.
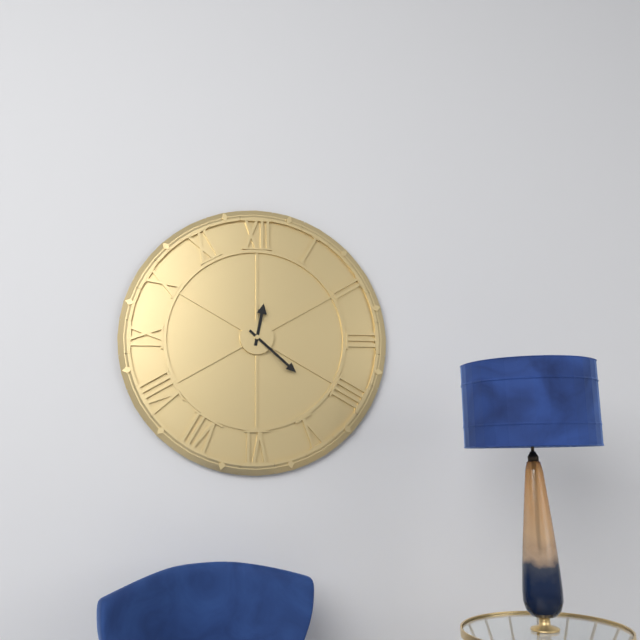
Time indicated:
**12:22**
